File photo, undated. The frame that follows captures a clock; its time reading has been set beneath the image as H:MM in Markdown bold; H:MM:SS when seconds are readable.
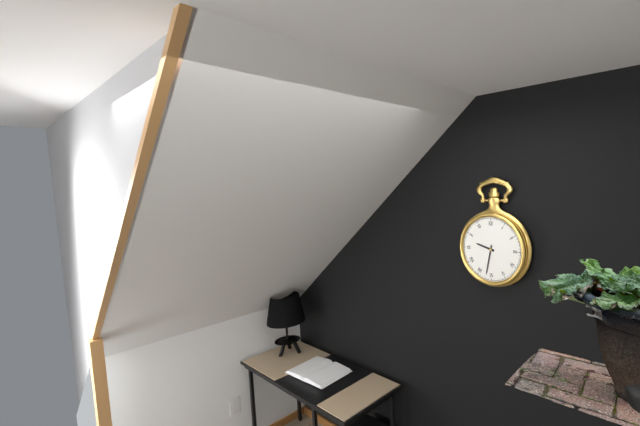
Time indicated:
**9:32**
